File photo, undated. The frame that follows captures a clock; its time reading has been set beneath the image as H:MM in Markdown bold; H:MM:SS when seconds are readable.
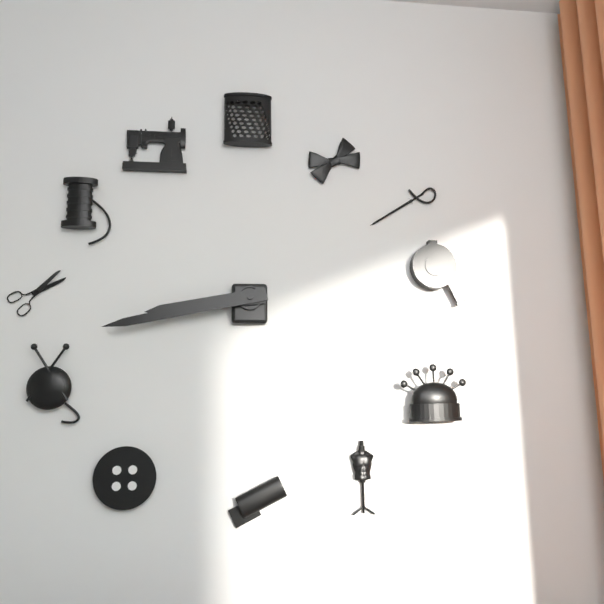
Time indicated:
**8:43**
